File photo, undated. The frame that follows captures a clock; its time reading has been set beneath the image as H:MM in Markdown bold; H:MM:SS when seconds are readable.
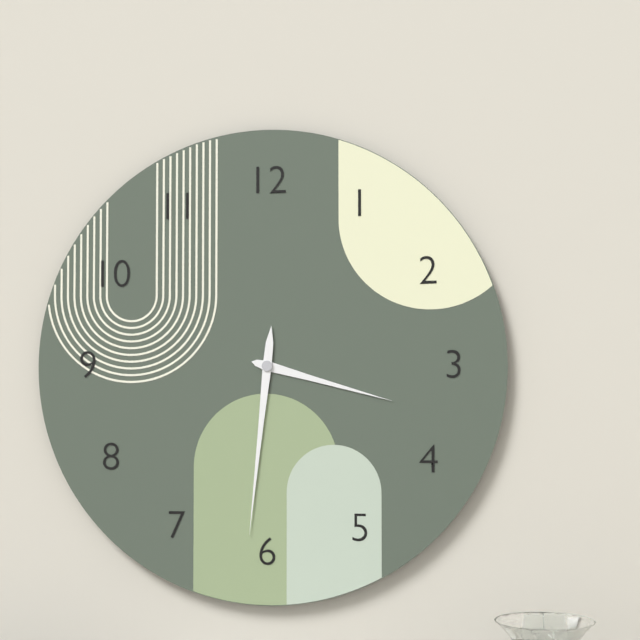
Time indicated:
**3:31**
